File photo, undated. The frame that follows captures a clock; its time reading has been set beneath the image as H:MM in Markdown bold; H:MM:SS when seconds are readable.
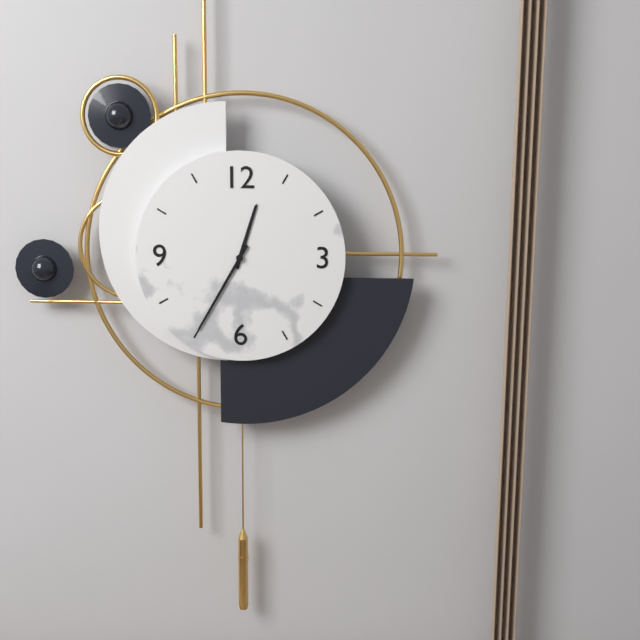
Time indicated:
**12:35**
